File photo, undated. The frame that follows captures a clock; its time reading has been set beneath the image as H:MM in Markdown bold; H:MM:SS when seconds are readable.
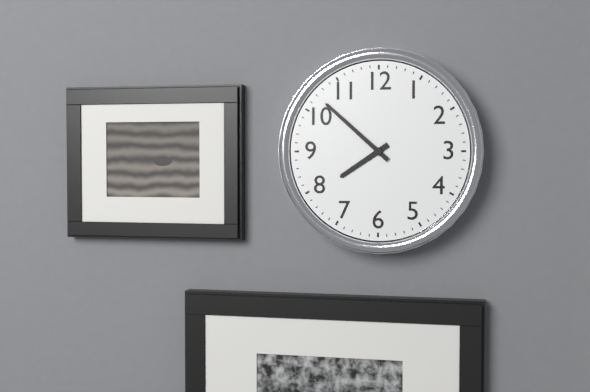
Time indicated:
**7:52**
